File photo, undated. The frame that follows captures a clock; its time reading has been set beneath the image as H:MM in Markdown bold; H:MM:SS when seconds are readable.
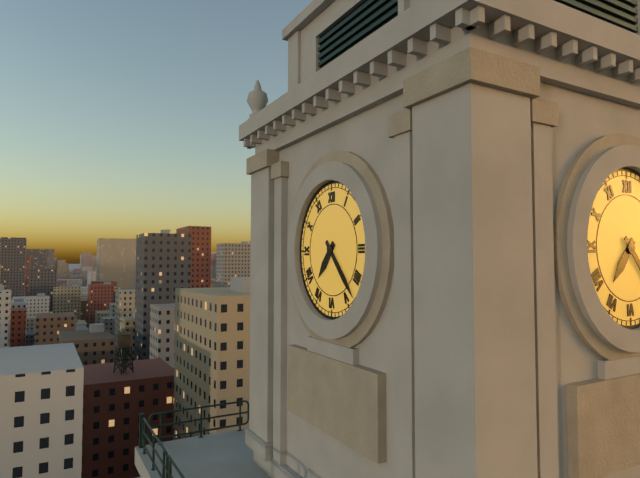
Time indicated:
**7:23**
